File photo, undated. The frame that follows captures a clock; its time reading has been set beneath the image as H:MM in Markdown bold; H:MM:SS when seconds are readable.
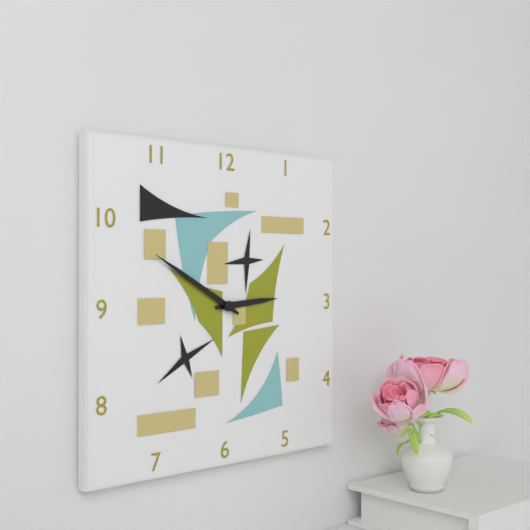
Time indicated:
**2:50**
